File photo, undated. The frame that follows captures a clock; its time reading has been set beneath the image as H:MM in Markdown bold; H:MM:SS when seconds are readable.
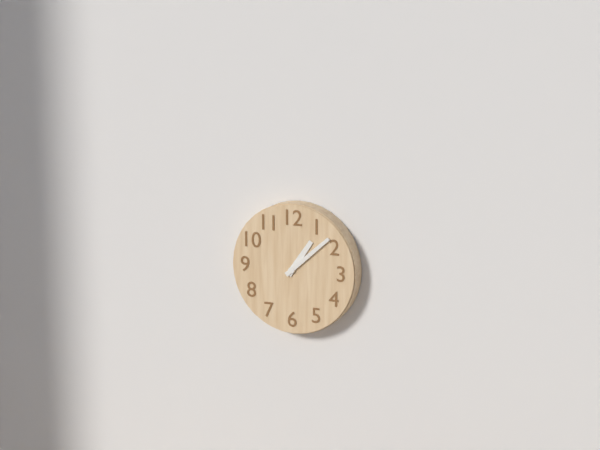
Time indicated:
**1:08**
